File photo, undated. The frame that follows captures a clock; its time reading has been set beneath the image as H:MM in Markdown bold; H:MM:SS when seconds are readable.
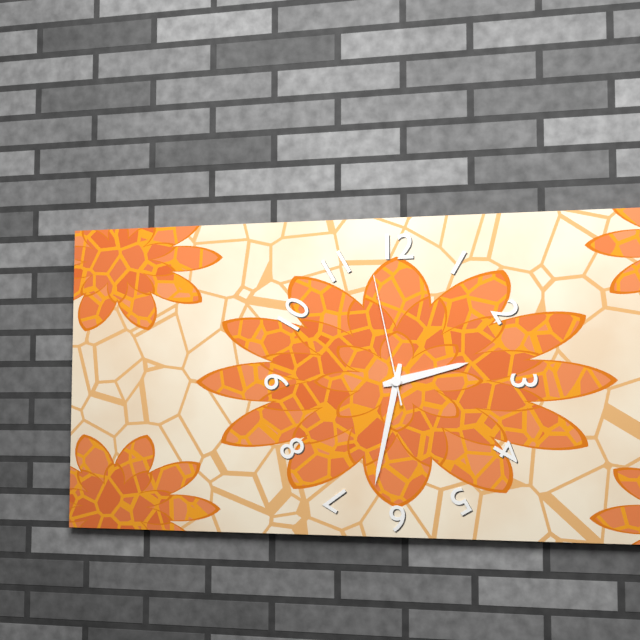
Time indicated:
**2:32:58**
